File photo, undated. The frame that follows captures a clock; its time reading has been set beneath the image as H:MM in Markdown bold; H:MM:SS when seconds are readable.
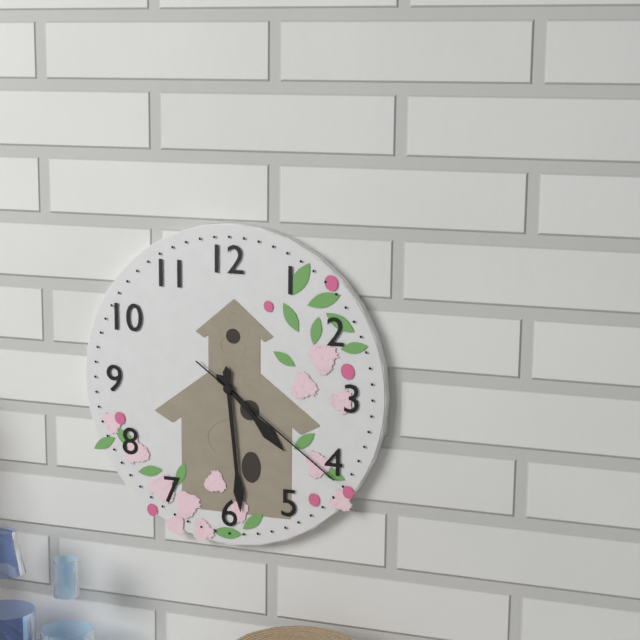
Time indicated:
**4:29:21**
